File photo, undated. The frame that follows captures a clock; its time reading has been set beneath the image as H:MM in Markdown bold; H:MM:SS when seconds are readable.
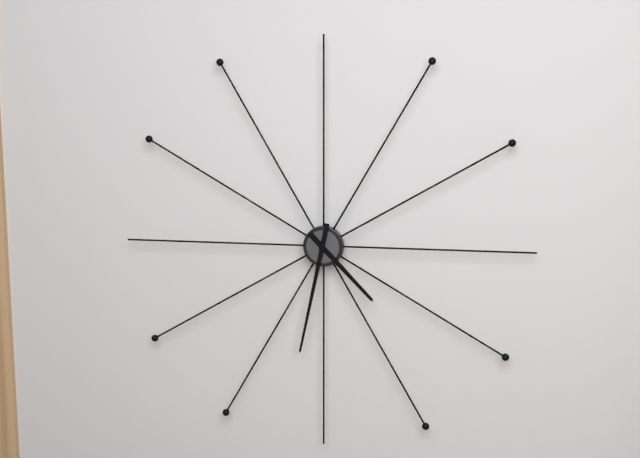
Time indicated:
**4:32**
